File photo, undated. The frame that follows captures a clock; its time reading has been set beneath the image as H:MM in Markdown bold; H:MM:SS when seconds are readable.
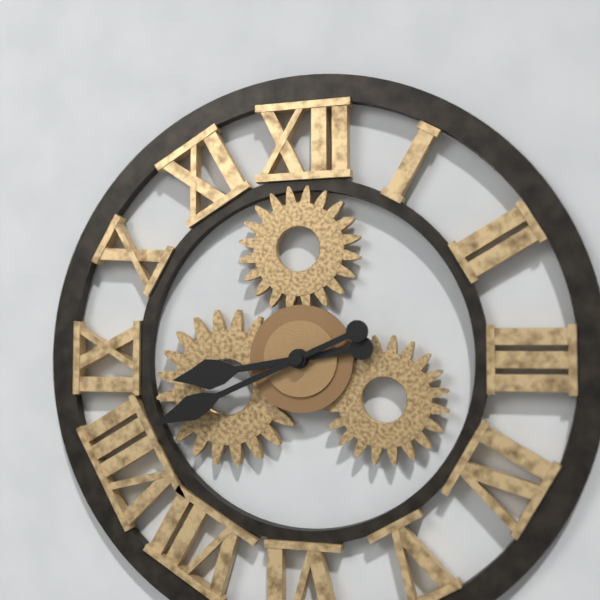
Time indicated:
**8:41**
